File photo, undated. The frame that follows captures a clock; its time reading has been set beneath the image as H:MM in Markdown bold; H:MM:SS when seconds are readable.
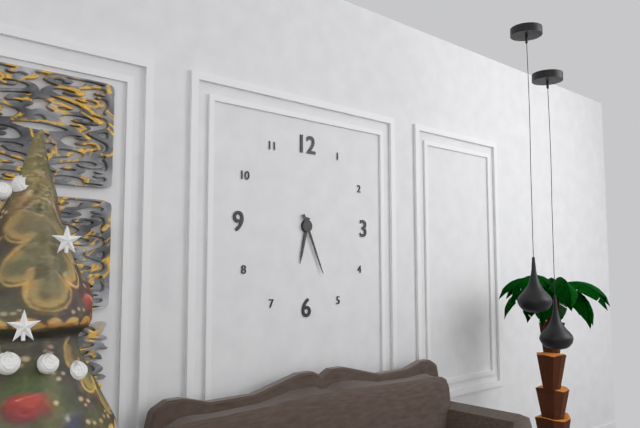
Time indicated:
**6:26**
